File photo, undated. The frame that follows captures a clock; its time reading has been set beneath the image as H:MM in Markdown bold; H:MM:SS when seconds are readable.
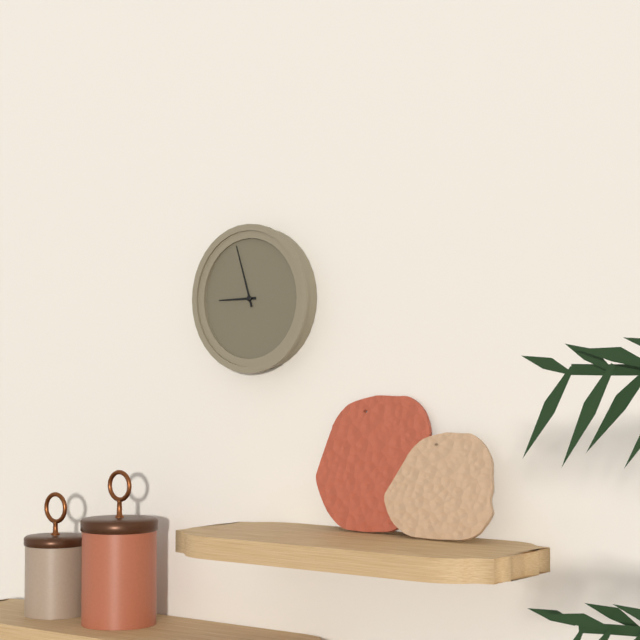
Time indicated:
**8:57**
